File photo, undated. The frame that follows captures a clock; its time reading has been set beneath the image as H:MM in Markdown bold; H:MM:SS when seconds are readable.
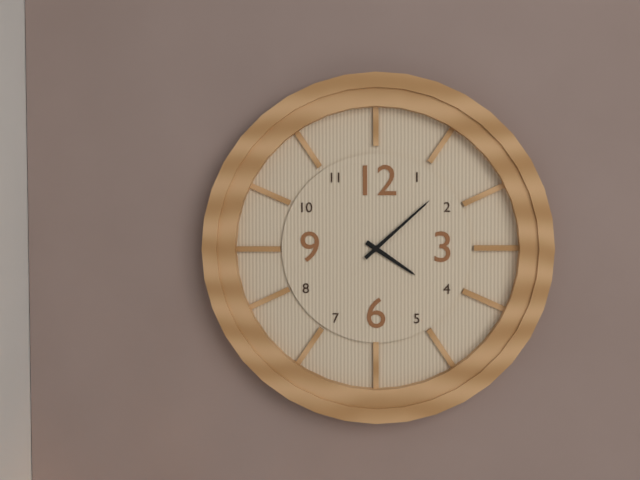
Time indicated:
**4:08**
